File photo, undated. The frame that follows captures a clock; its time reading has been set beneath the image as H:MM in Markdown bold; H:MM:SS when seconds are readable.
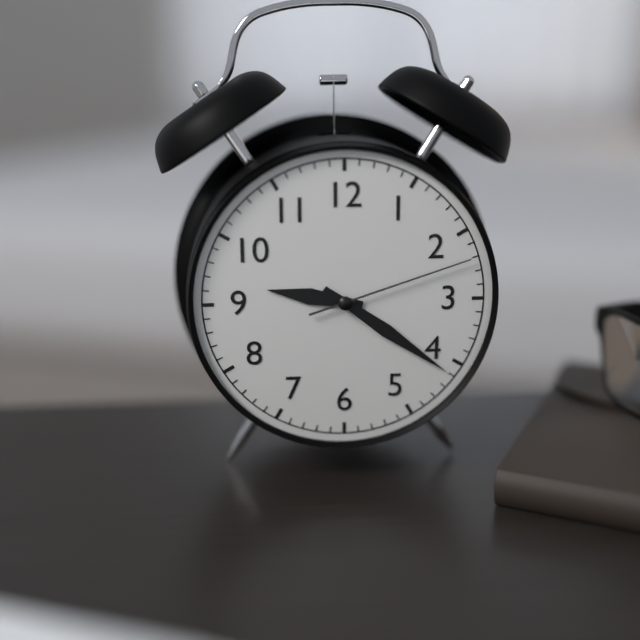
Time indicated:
**9:21:12**
